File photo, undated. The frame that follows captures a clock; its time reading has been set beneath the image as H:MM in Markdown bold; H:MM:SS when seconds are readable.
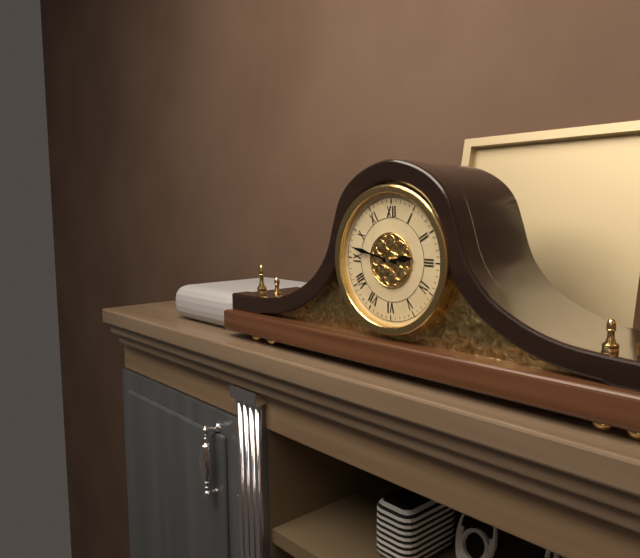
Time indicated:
**2:47**
